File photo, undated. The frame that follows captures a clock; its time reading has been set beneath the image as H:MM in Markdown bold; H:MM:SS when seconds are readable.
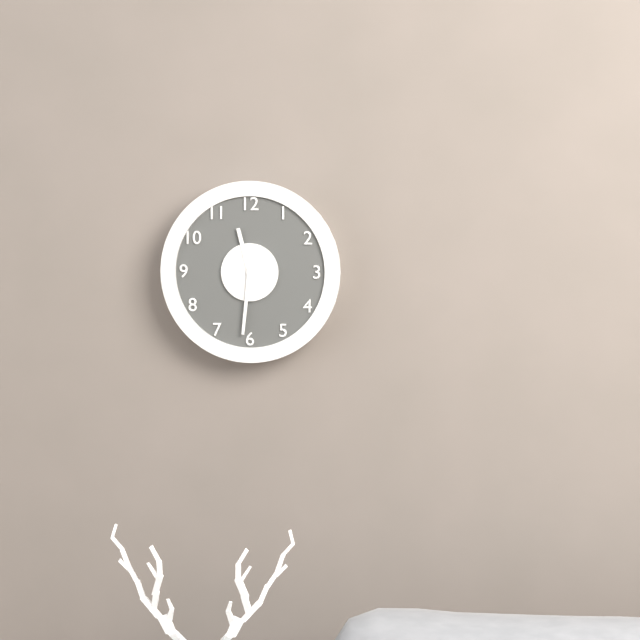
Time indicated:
**11:31**
